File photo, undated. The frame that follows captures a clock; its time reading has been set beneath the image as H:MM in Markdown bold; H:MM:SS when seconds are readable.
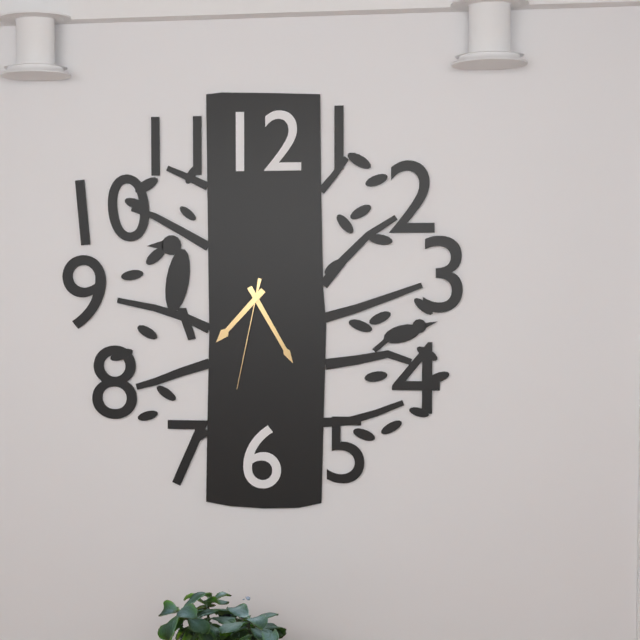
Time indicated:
**7:25:32**
